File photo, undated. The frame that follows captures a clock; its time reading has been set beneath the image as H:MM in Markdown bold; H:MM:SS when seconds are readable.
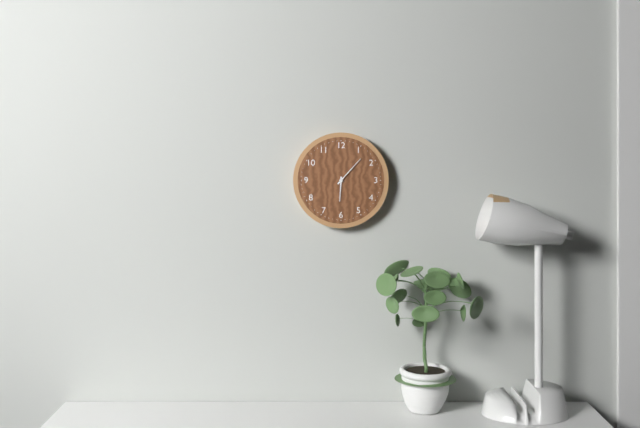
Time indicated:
**6:07**
